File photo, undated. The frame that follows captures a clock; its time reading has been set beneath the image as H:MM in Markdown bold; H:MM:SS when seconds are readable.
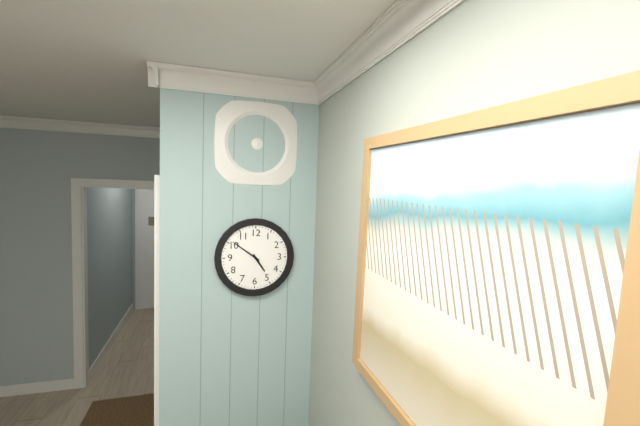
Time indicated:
**4:51**
